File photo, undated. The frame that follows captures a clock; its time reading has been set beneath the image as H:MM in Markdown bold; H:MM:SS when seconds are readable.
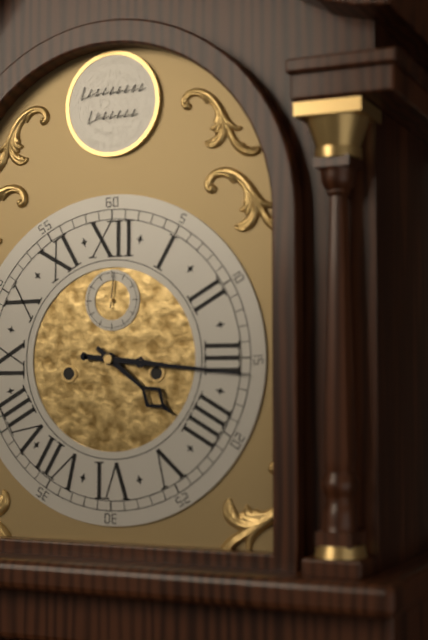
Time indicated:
**4:16:01**
